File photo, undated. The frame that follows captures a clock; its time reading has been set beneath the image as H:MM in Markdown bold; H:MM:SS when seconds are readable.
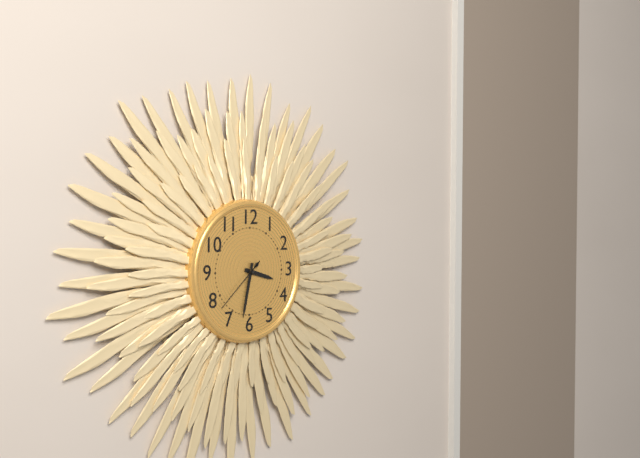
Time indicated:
**3:32**
